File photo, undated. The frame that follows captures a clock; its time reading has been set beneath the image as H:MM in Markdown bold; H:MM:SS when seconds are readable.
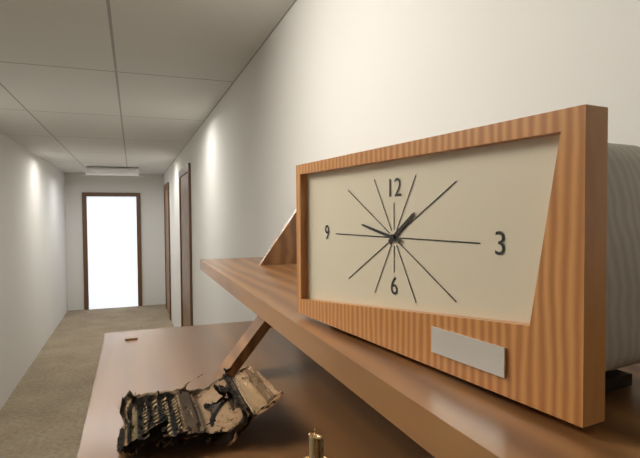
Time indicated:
**1:47**
